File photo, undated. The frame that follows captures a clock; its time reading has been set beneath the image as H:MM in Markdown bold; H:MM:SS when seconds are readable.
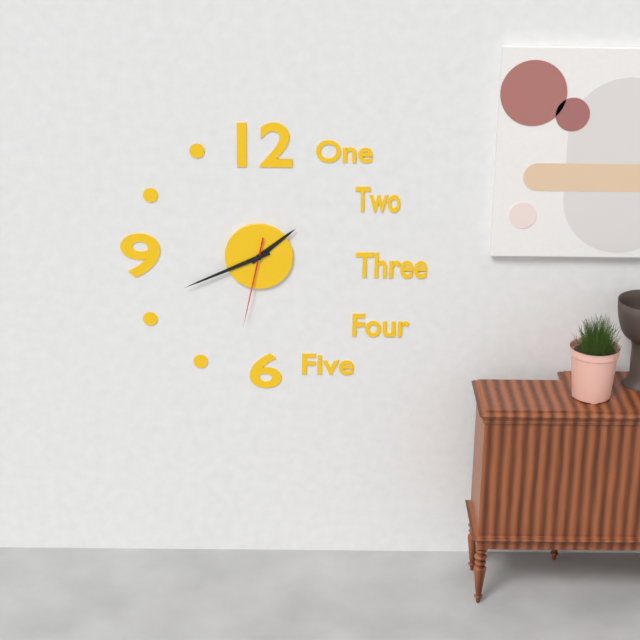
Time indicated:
**1:41:32**
